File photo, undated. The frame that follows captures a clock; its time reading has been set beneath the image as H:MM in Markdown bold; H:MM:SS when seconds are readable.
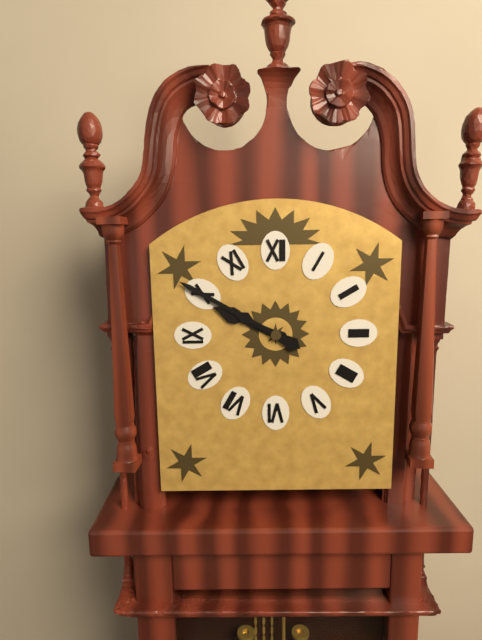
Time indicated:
**9:50**
